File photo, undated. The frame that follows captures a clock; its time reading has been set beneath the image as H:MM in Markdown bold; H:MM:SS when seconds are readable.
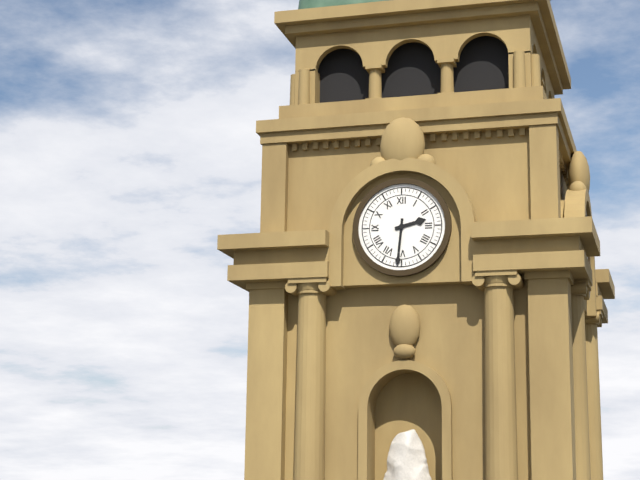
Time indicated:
**2:31**
